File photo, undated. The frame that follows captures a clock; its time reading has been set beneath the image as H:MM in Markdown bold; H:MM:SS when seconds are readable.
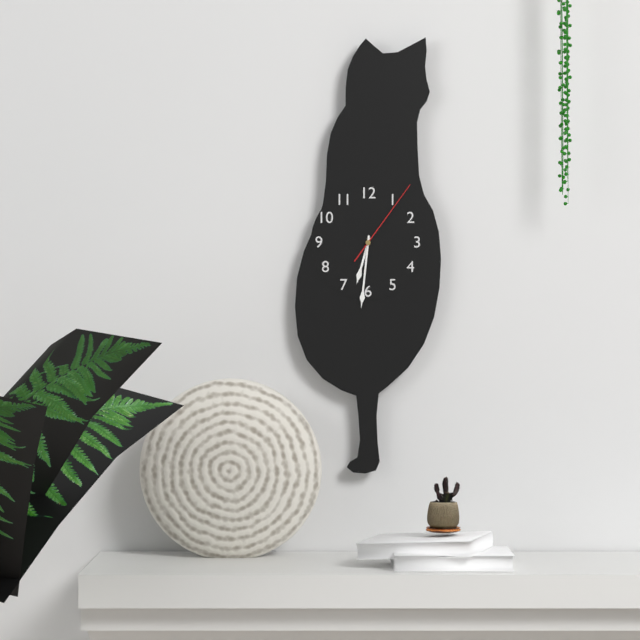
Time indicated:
**6:31:06**
